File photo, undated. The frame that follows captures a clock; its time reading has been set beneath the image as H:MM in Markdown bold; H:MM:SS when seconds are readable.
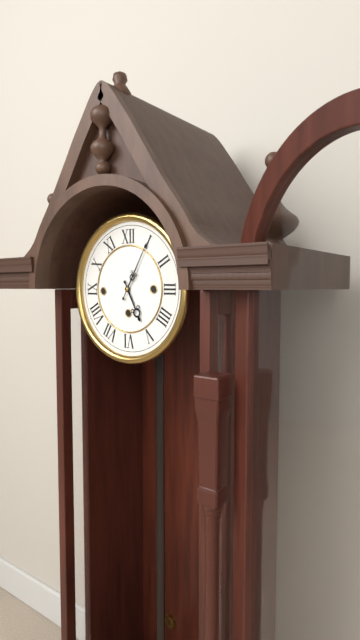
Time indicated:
**5:05**
